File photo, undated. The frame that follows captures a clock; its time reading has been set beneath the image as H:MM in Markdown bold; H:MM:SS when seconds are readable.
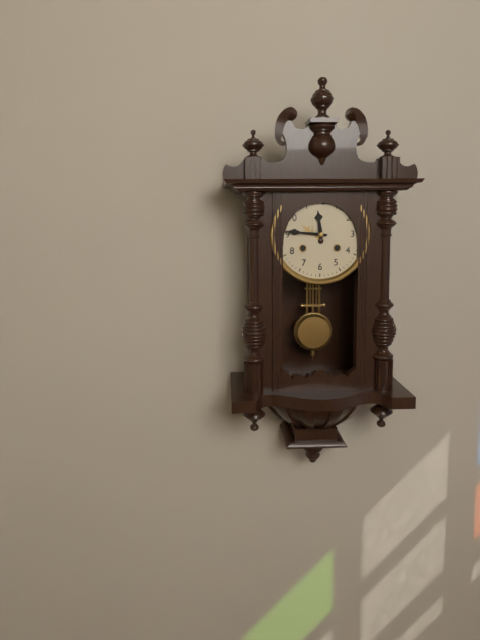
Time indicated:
**11:46**
